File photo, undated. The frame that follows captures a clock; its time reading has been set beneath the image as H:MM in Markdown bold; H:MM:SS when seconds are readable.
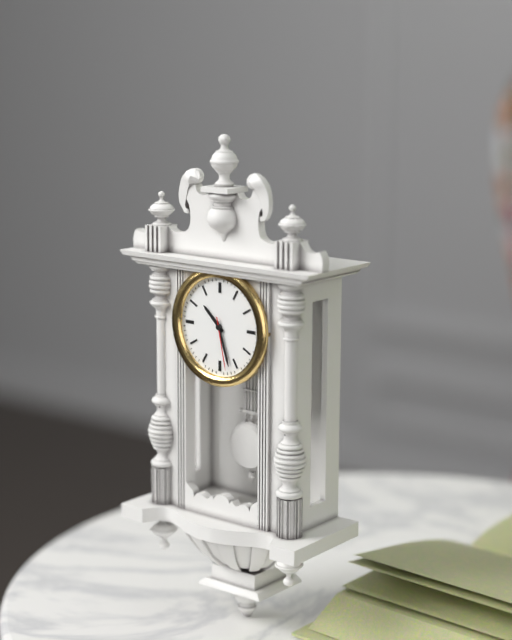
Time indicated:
**10:27:28**
